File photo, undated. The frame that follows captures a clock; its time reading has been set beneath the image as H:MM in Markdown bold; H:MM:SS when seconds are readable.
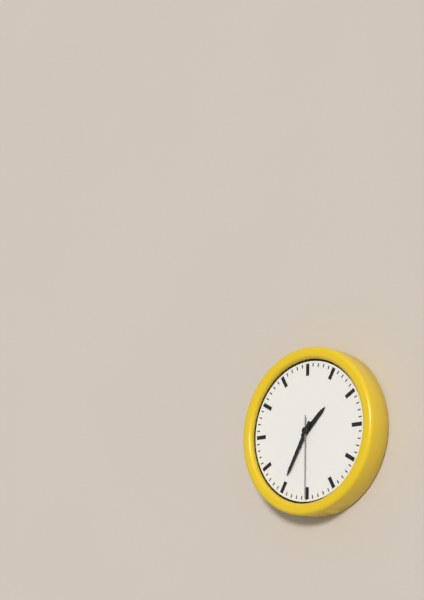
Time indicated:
**1:35:30**
